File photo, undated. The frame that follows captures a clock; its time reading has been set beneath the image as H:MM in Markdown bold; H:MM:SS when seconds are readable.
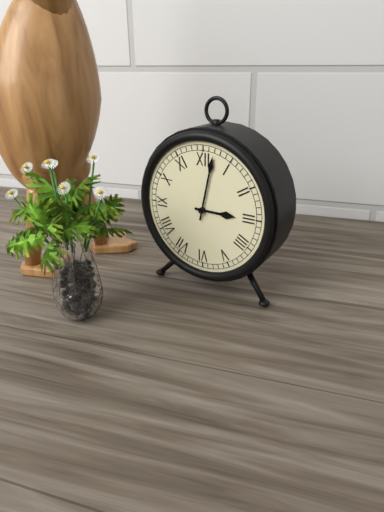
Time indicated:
**3:02**
